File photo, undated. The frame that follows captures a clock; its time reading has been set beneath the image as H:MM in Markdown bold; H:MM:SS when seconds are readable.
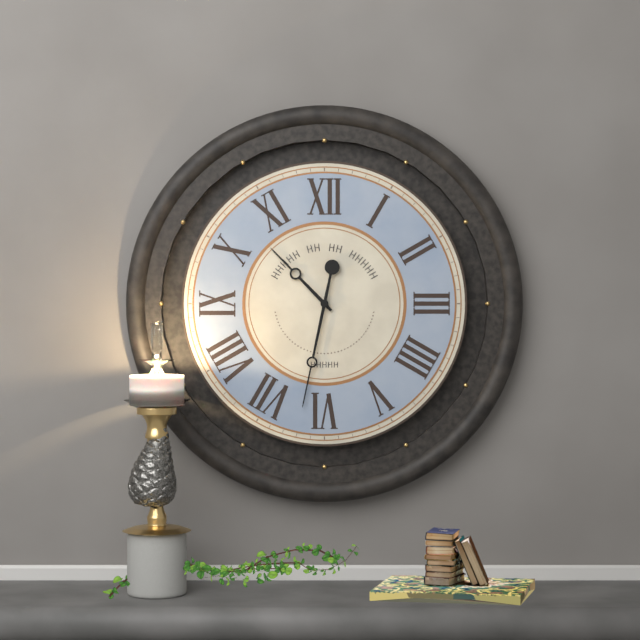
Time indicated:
**10:32**
